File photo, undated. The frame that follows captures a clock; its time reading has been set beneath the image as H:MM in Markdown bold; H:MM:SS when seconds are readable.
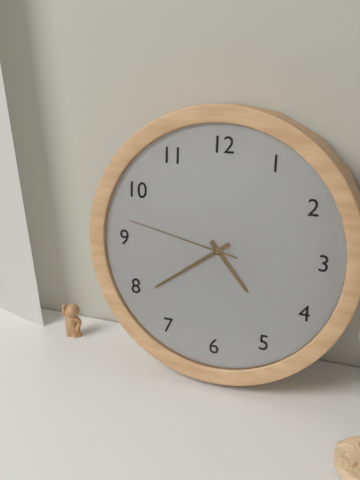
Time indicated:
**4:39:47**
